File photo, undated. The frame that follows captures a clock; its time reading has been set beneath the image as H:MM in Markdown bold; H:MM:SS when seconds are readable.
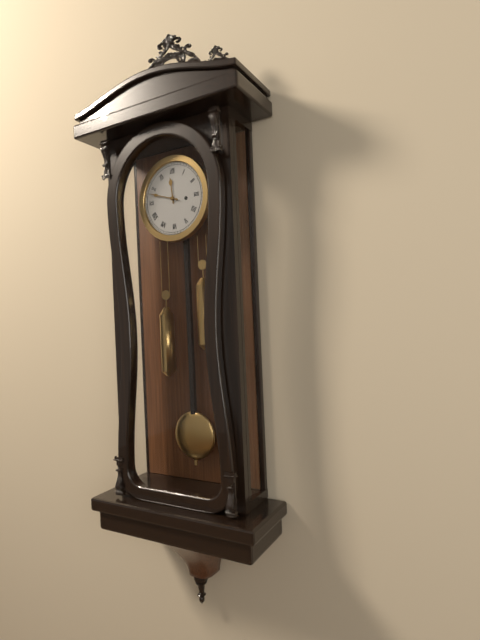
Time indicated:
**11:48**
